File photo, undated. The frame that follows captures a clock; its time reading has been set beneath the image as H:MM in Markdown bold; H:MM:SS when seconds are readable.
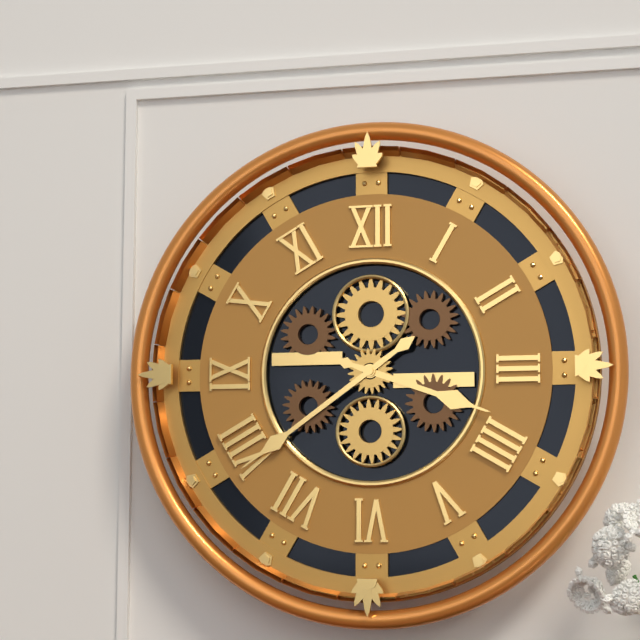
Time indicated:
**3:39**
